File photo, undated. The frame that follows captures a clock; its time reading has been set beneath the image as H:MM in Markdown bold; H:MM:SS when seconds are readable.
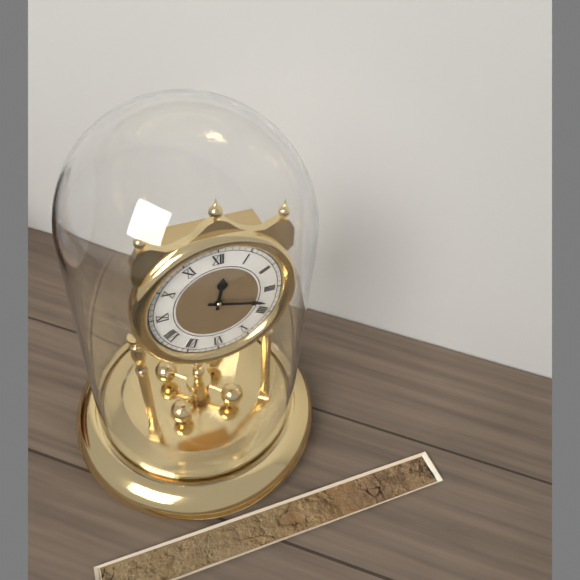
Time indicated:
**12:18**
